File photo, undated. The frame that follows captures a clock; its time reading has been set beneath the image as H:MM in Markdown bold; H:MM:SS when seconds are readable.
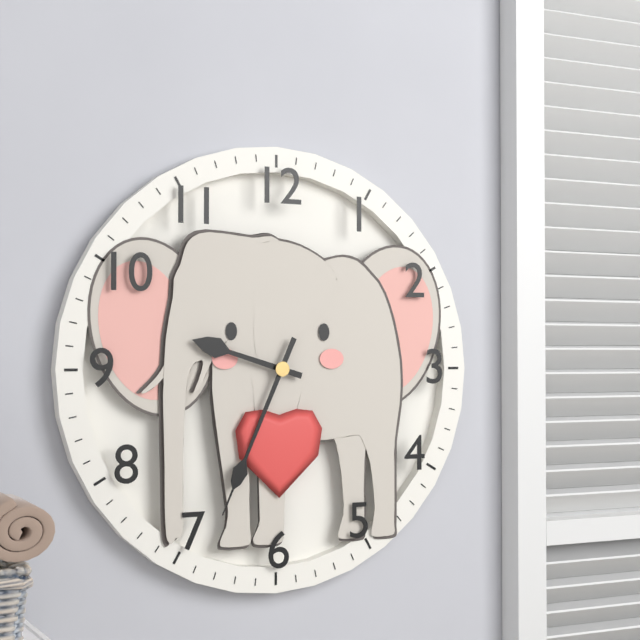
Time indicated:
**9:34**
